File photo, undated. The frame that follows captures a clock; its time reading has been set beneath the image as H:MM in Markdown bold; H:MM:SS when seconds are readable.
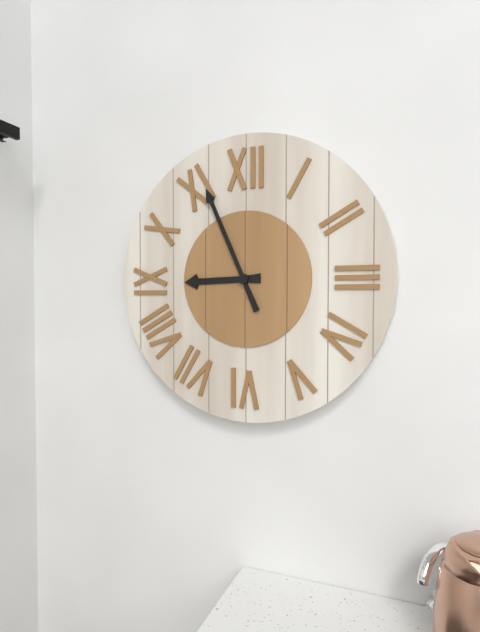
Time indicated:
**8:56**
